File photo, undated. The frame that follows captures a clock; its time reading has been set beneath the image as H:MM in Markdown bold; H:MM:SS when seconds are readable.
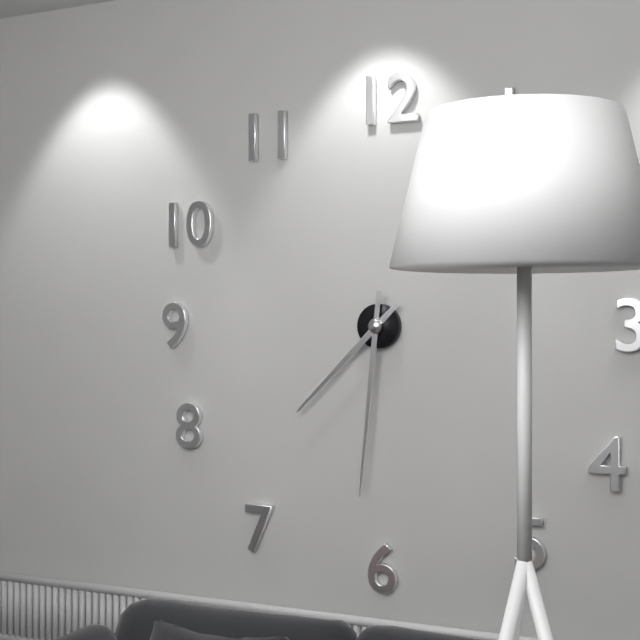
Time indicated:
**7:31**
